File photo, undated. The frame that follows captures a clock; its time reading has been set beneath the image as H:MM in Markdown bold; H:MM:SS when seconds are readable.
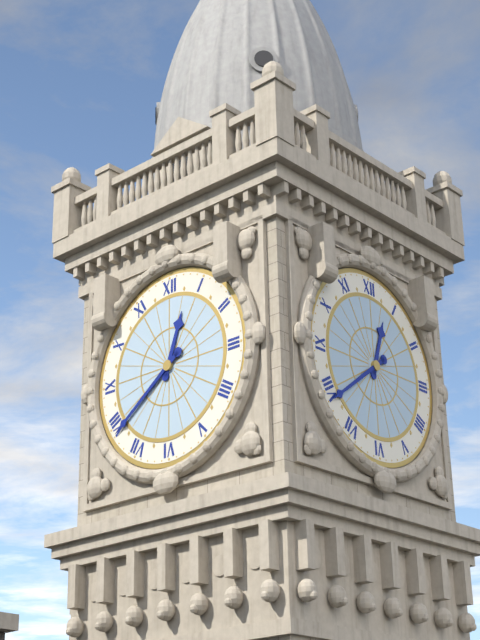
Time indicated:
**12:39**
